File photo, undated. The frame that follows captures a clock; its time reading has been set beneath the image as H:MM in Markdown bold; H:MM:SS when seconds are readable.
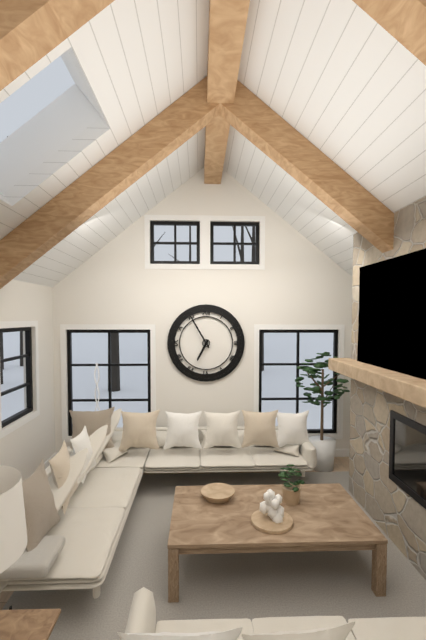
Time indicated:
**6:55**
